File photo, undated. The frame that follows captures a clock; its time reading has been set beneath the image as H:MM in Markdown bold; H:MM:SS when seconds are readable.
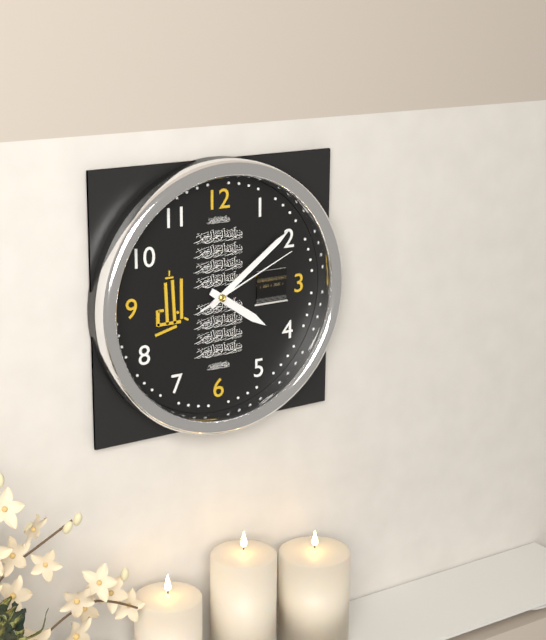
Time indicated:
**4:09:11**
